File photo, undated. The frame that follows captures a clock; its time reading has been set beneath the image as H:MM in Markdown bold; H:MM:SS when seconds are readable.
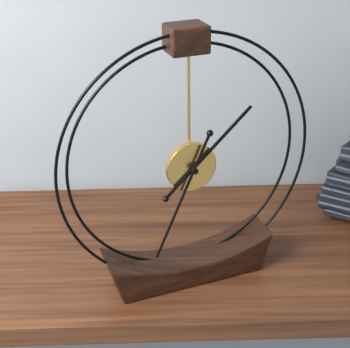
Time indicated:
**1:34**
